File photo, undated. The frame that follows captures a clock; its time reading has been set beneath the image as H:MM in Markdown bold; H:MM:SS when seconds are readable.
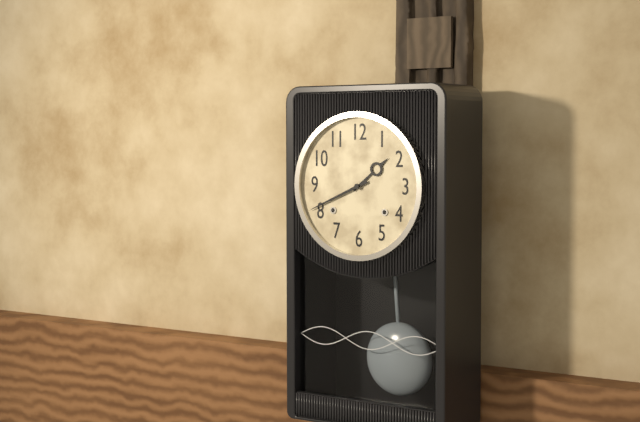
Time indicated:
**1:41**
